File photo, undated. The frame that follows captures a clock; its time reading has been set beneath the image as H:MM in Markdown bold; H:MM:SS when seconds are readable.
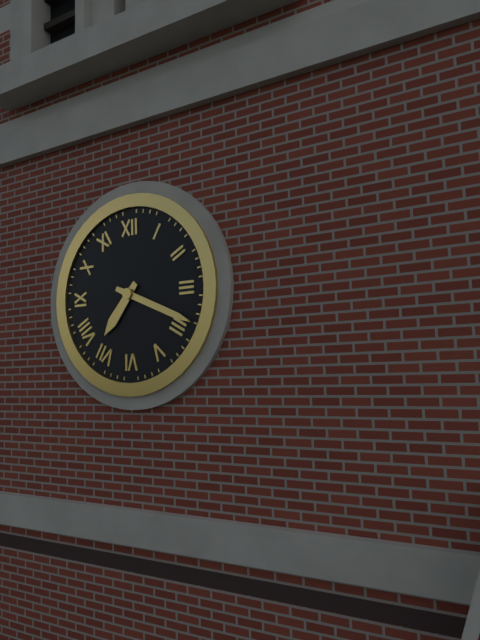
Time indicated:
**7:19**
